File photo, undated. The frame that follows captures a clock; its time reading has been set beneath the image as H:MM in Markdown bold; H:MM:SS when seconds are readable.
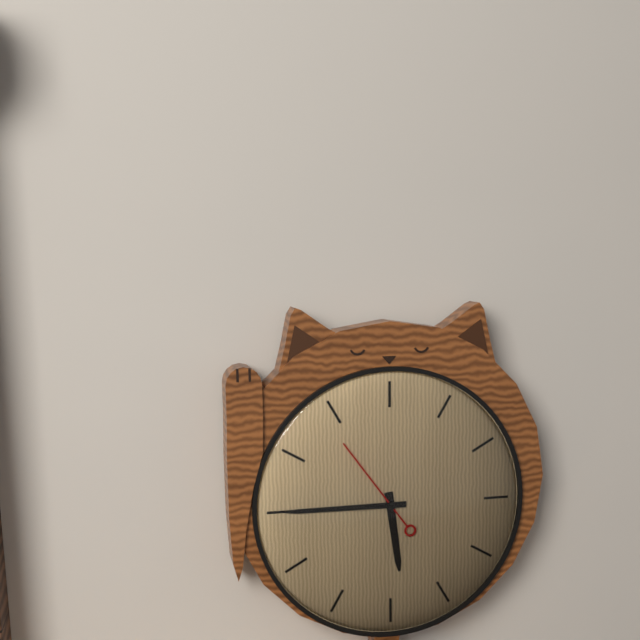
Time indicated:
**5:45:54**
